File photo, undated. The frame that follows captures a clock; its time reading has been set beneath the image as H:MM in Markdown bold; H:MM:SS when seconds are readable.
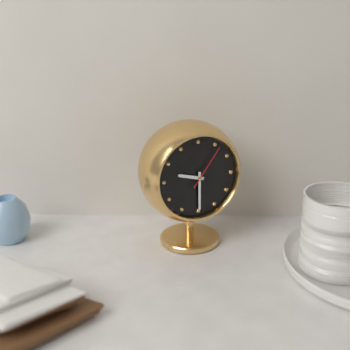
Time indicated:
**9:30**
